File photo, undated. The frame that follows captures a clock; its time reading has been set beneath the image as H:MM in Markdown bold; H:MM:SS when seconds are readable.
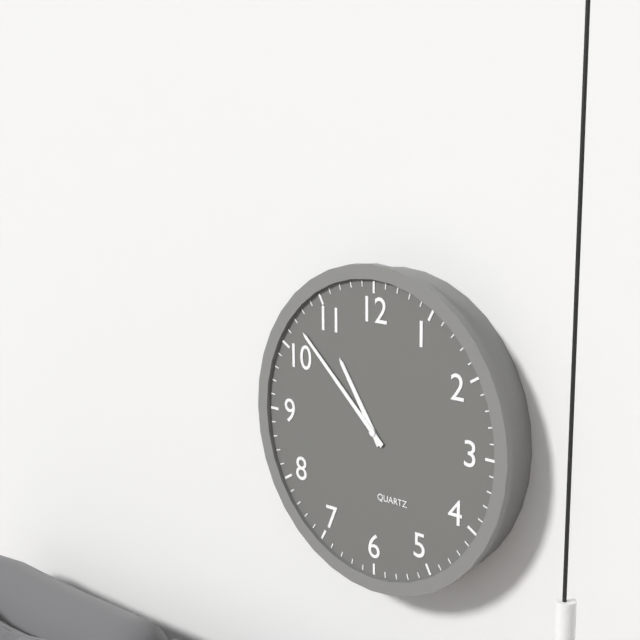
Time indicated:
**10:52**
